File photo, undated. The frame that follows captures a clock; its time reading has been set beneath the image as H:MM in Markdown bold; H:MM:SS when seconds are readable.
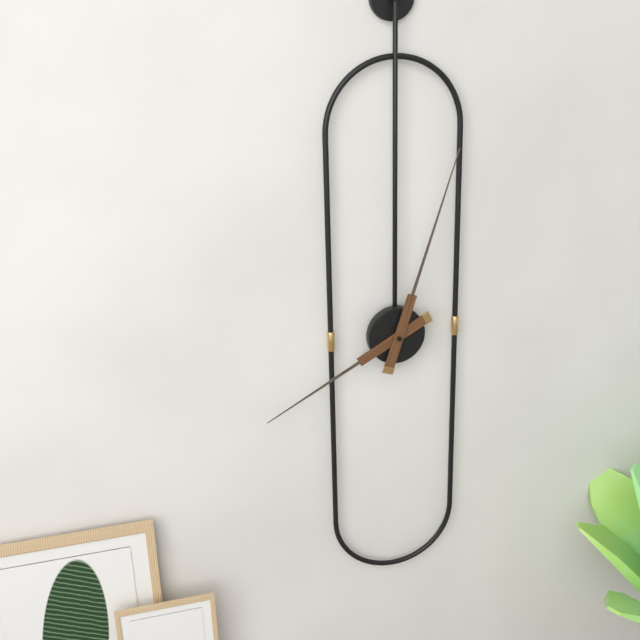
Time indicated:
**8:03**
